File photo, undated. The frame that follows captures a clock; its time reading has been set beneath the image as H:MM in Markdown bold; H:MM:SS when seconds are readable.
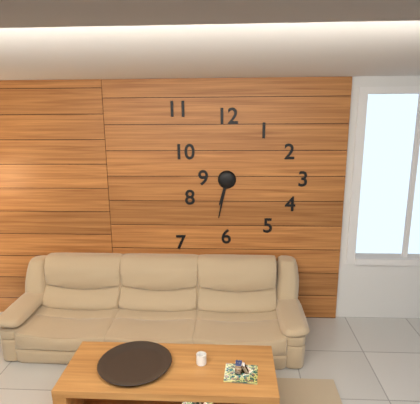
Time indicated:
**6:32**
